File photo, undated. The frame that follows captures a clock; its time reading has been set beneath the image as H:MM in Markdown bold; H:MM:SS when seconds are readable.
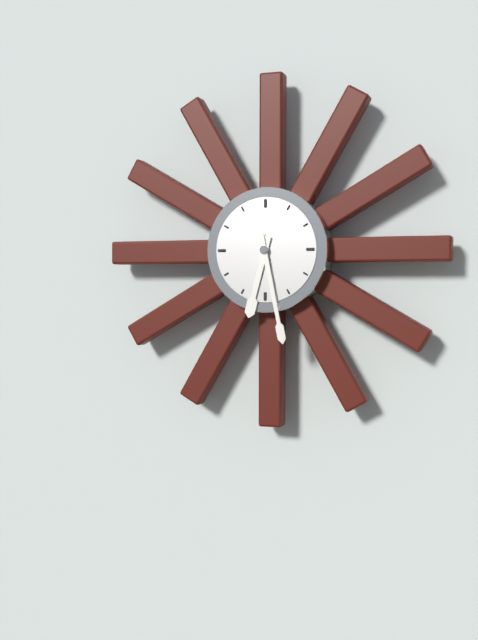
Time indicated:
**6:28**
